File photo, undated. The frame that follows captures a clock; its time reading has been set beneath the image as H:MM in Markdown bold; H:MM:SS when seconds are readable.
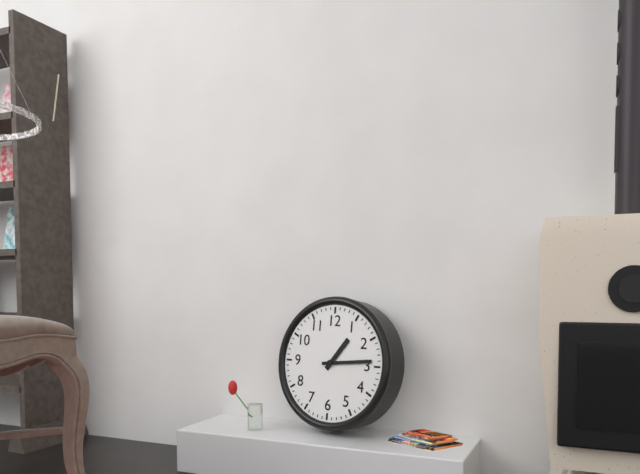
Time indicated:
**1:14**
